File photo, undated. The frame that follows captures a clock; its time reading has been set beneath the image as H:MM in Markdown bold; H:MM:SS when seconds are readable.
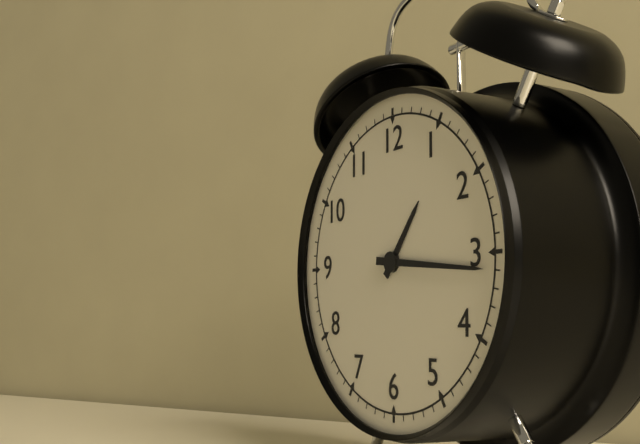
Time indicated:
**1:16**
